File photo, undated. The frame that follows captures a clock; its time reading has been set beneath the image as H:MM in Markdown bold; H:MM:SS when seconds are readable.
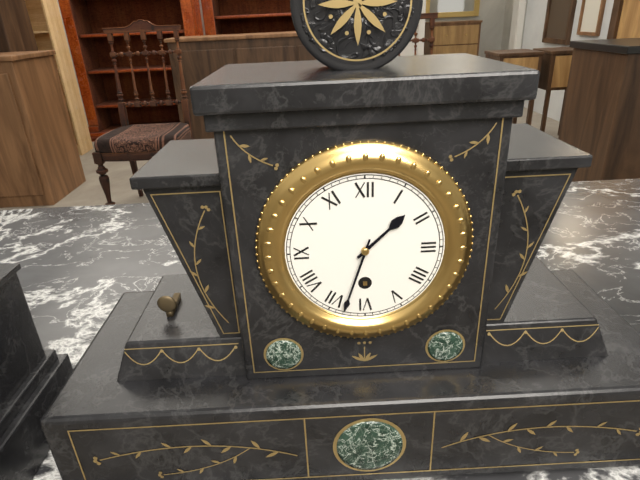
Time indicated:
**1:33**
